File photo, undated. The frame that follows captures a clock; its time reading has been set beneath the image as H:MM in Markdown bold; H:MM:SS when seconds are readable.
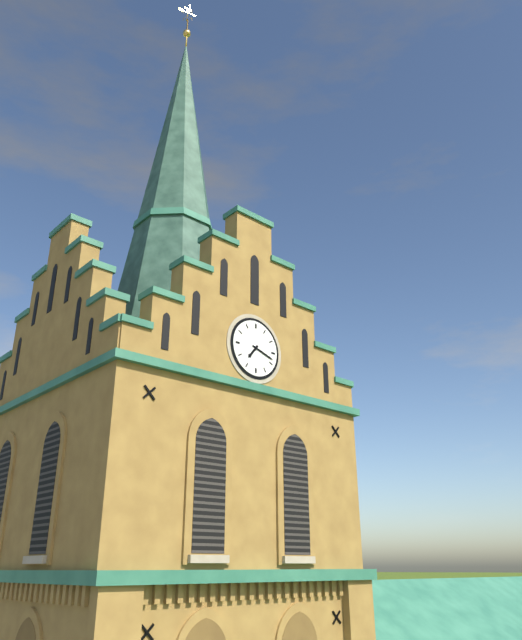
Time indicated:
**7:18**
